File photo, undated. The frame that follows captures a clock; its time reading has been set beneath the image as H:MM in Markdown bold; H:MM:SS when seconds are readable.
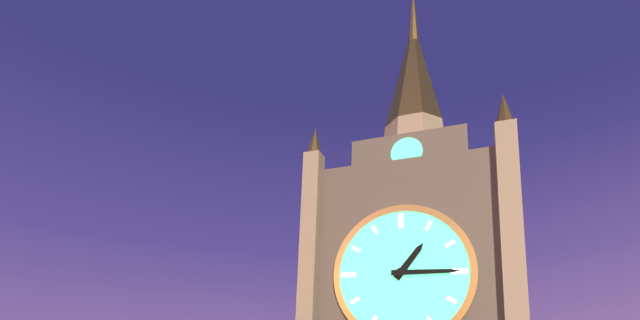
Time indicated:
**1:15**
